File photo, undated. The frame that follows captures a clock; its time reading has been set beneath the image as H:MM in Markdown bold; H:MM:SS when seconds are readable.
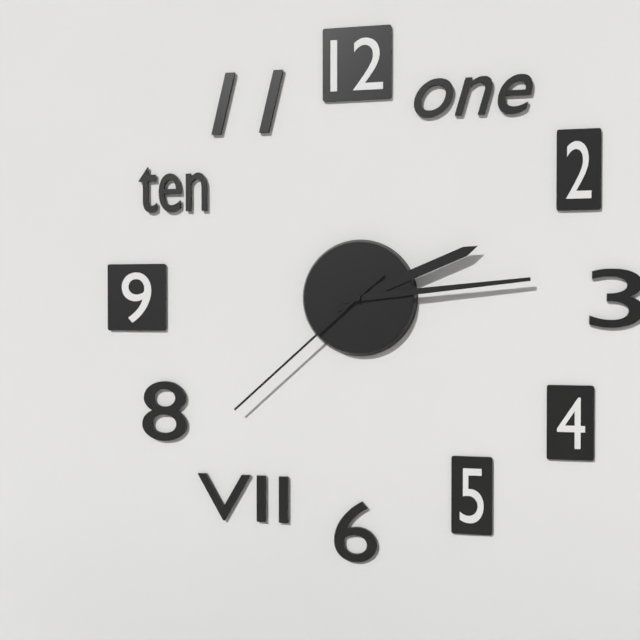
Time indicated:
**2:14:38**
